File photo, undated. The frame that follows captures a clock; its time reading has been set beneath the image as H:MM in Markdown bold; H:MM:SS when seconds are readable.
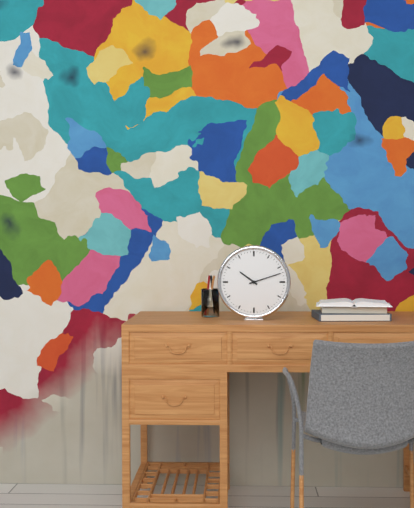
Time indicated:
**10:12**
